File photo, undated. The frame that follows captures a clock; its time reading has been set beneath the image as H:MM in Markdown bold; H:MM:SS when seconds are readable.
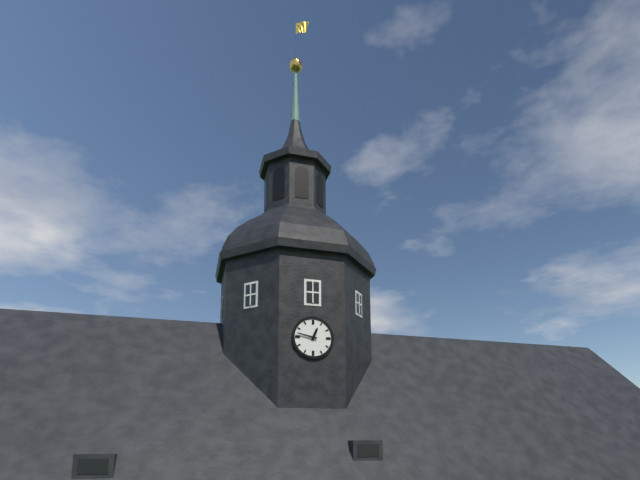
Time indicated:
**12:47**
